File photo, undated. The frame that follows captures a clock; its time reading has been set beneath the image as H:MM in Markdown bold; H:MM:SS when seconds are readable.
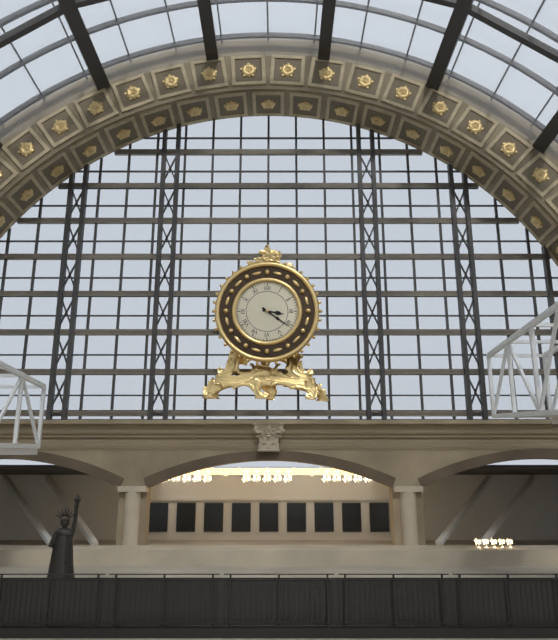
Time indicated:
**3:21**
